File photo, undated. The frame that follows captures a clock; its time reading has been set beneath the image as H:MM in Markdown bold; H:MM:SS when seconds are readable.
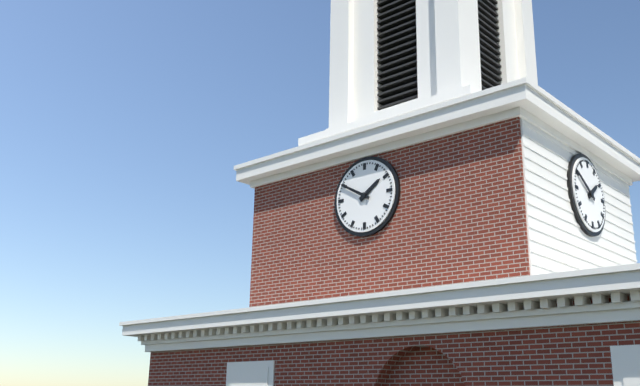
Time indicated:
**1:50**
